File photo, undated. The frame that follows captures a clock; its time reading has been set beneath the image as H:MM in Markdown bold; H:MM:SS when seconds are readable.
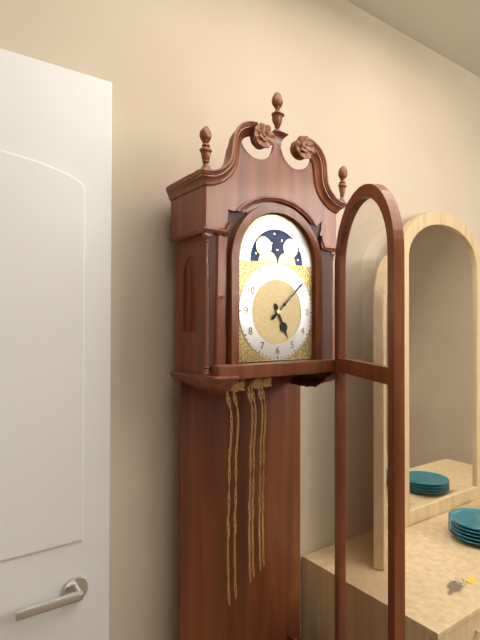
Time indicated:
**5:08**
